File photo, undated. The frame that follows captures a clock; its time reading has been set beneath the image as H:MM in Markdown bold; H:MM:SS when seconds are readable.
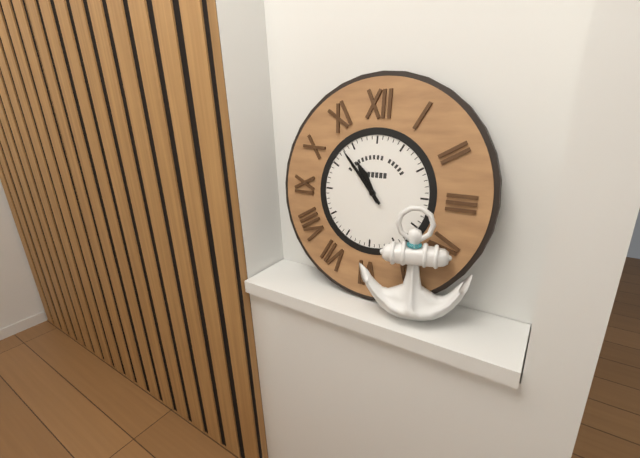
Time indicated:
**10:53**
